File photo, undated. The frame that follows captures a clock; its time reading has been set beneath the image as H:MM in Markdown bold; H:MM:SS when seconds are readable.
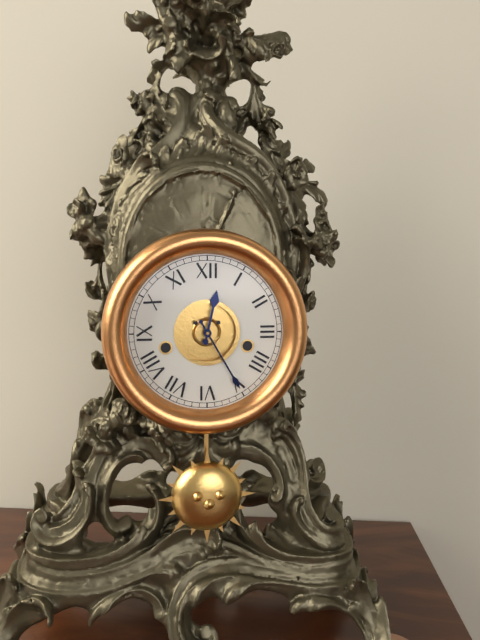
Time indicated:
**12:25**
